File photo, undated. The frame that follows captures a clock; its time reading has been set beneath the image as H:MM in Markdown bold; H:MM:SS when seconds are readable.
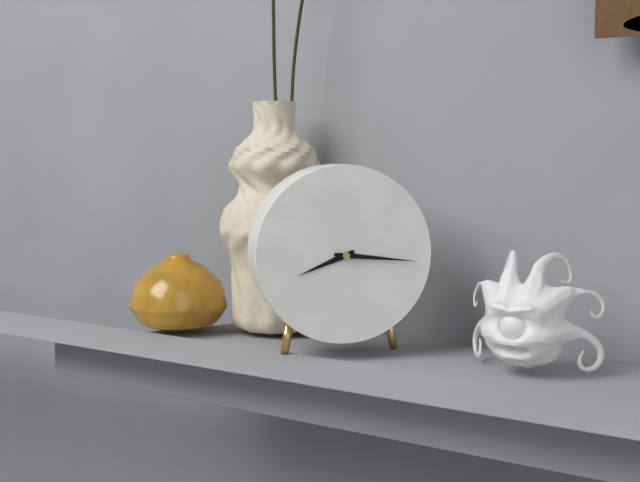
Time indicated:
**8:16**
